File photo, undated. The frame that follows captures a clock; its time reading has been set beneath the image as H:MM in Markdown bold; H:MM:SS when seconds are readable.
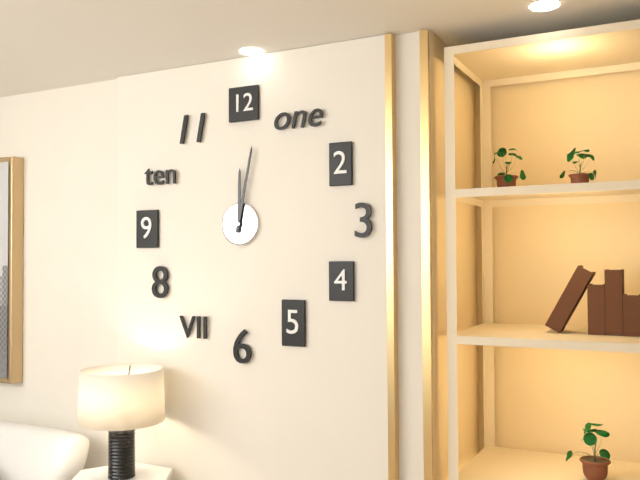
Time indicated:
**12:02**
